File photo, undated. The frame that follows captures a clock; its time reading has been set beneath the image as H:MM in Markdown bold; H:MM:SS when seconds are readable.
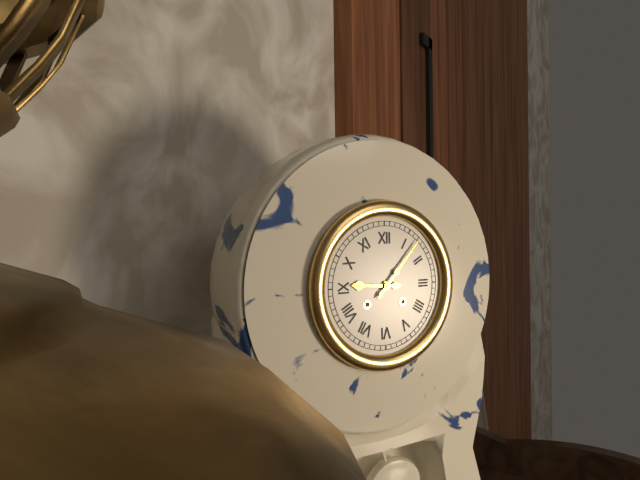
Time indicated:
**9:07**
